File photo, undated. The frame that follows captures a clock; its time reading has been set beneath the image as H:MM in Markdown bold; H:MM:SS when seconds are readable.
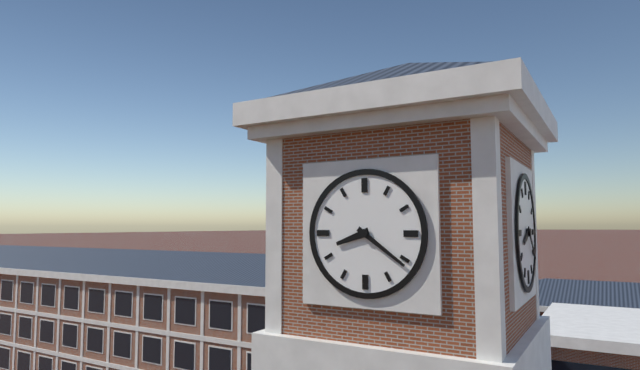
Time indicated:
**8:21**
